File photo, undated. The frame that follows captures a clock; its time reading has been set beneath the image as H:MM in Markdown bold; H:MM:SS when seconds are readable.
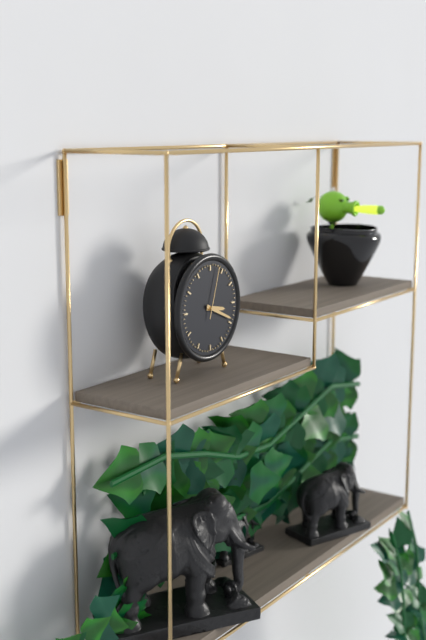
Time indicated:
**3:19:03**
